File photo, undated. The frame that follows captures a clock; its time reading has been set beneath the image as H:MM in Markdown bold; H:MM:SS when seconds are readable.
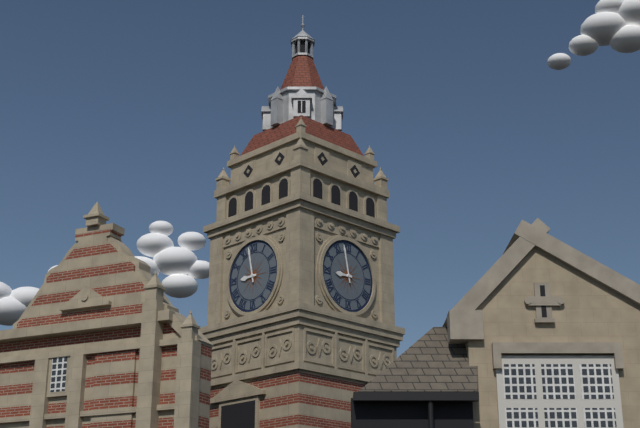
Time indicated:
**8:58**
